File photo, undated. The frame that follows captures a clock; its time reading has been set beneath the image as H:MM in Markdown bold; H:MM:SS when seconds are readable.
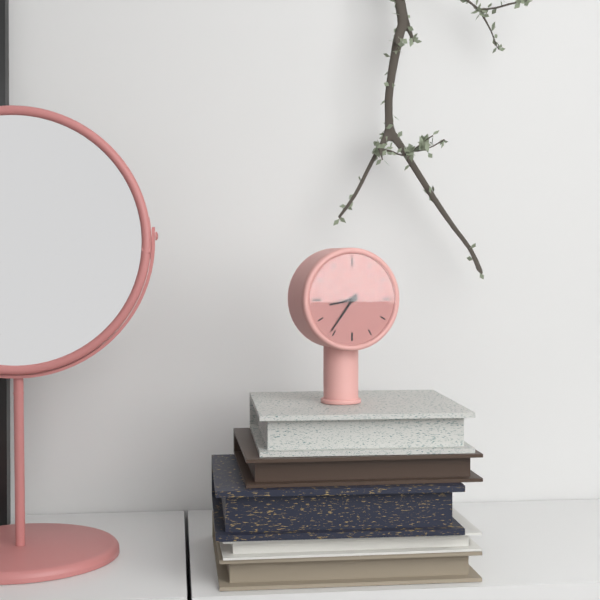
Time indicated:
**8:36**
